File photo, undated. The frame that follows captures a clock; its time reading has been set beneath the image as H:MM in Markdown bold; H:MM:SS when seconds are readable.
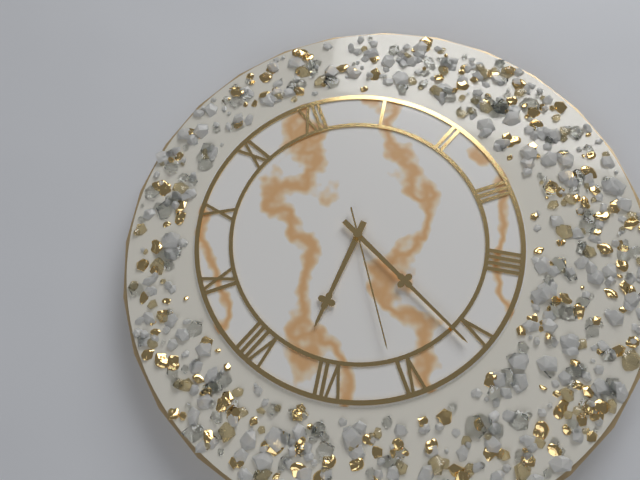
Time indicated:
**7:26:31**
